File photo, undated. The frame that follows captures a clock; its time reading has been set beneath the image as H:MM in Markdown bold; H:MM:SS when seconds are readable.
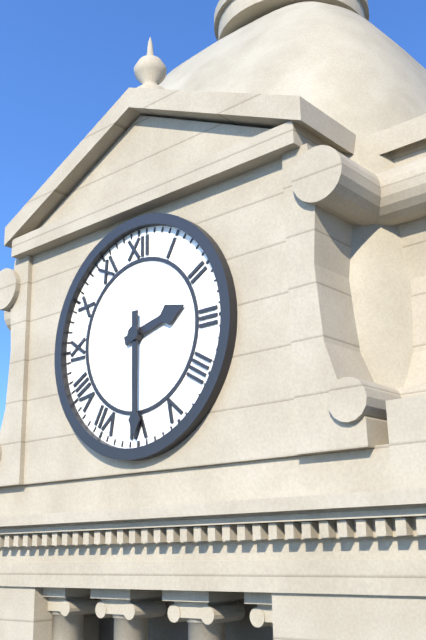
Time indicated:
**2:30**
